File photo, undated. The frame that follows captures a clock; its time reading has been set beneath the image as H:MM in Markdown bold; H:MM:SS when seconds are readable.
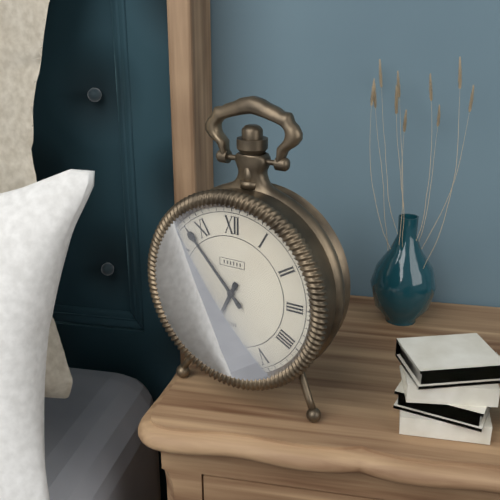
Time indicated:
**6:53**
